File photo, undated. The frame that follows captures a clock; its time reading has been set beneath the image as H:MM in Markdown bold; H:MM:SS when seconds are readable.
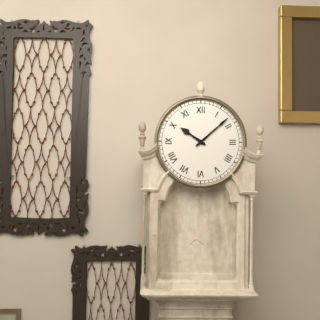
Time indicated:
**10:08**
